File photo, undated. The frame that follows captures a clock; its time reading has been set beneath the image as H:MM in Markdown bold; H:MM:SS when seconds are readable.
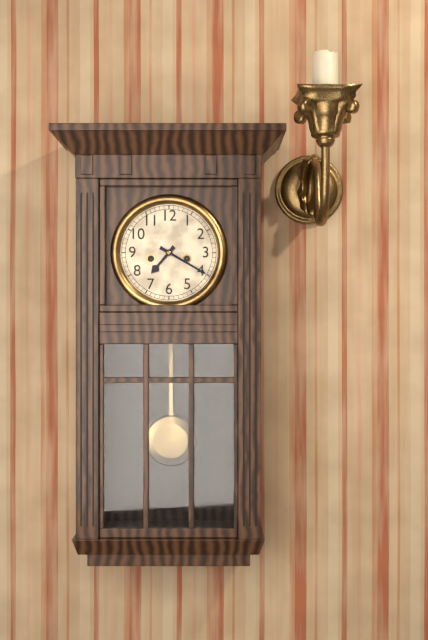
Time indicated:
**7:20**
